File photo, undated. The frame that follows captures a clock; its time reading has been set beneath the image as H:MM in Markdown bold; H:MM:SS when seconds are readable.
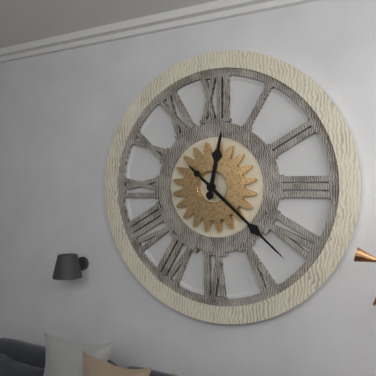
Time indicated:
**12:22**
